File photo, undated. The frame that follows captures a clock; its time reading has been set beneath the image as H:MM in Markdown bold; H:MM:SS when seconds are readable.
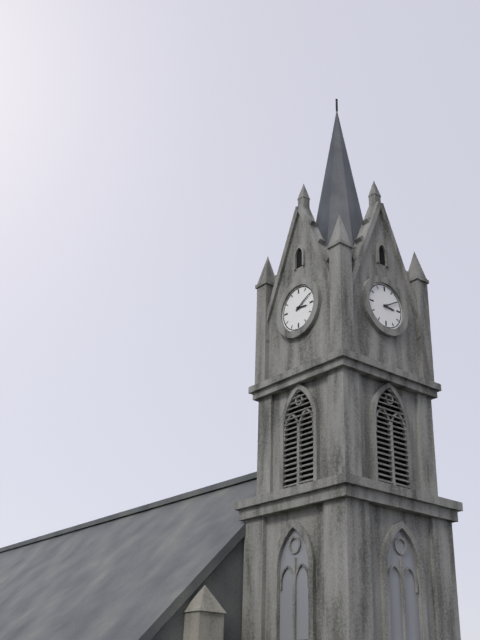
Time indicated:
**3:10**
